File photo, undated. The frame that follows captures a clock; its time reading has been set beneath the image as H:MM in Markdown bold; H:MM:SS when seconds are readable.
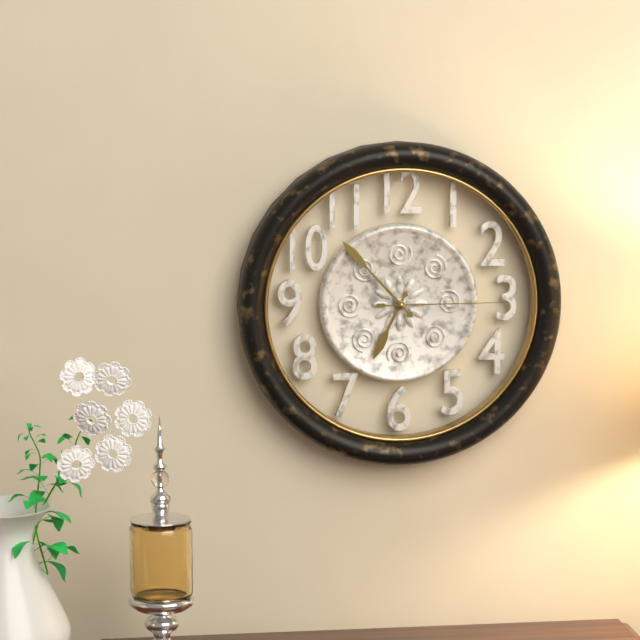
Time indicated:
**6:53:15**
